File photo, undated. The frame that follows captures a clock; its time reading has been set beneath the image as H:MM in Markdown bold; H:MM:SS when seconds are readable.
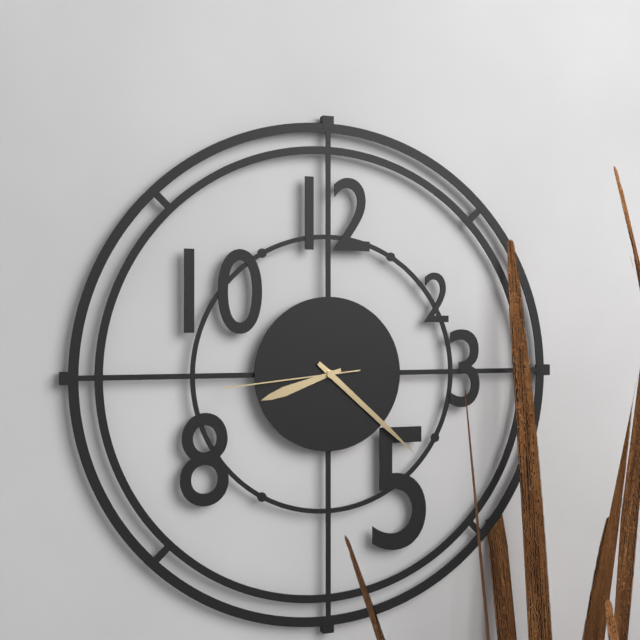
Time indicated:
**8:22:44**
